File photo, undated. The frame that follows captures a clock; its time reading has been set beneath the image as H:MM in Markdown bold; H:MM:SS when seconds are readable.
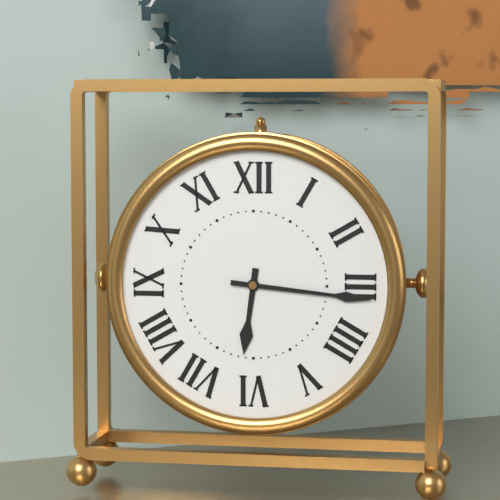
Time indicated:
**6:16**
